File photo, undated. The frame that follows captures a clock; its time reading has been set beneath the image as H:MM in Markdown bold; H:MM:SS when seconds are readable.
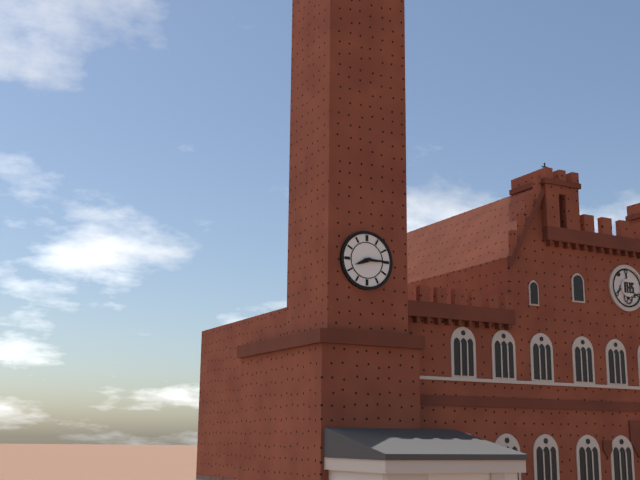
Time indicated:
**8:15**
